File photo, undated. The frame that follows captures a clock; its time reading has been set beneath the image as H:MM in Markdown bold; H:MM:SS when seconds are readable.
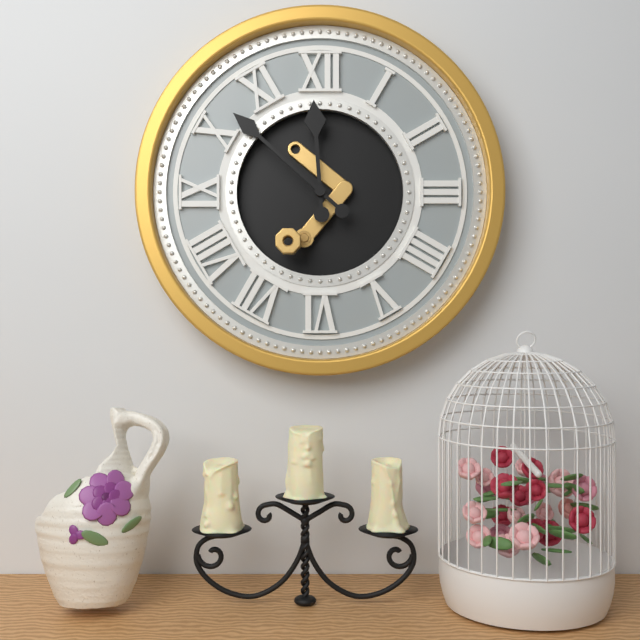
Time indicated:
**11:52**
